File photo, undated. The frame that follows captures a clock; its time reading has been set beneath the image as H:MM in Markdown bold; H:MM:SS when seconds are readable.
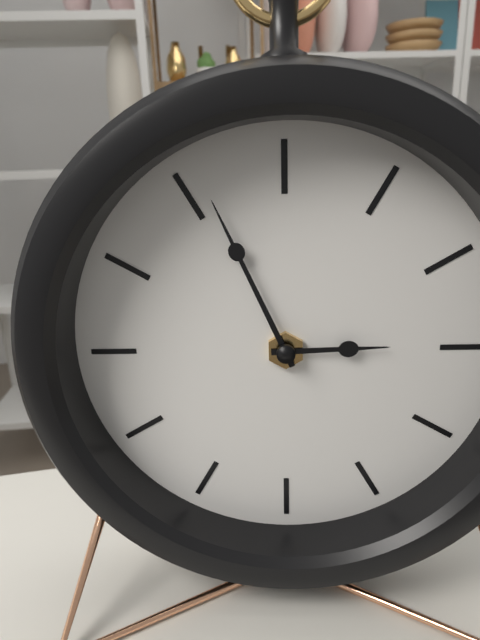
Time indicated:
**2:56**
